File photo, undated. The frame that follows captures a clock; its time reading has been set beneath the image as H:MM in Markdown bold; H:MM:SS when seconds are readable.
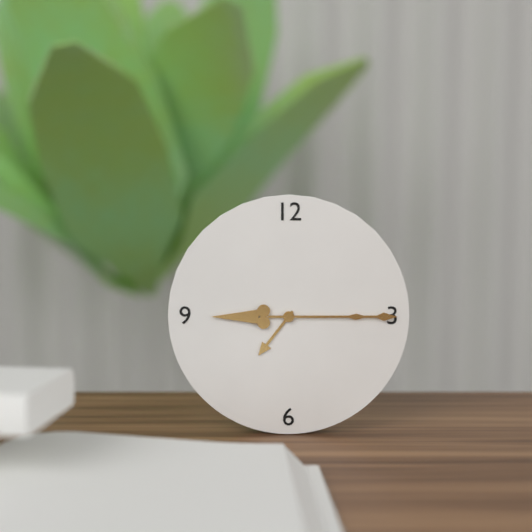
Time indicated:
**7:15**
